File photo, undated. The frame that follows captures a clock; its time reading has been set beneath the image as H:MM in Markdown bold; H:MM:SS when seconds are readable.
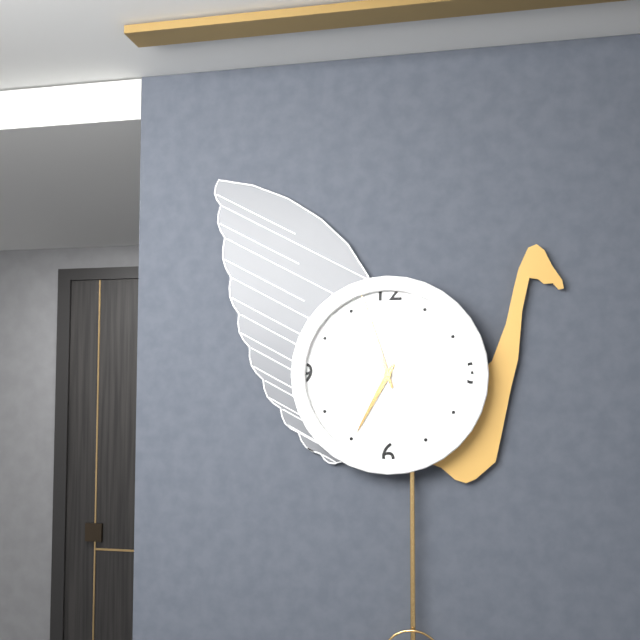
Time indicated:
**6:57**
